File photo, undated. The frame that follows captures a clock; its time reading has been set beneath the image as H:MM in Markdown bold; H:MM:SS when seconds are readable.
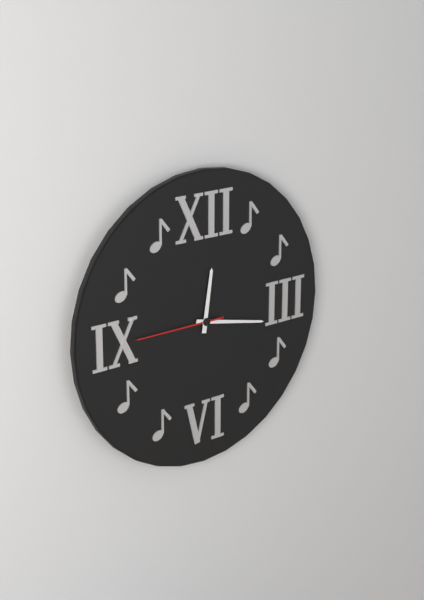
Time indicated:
**12:17:45**
